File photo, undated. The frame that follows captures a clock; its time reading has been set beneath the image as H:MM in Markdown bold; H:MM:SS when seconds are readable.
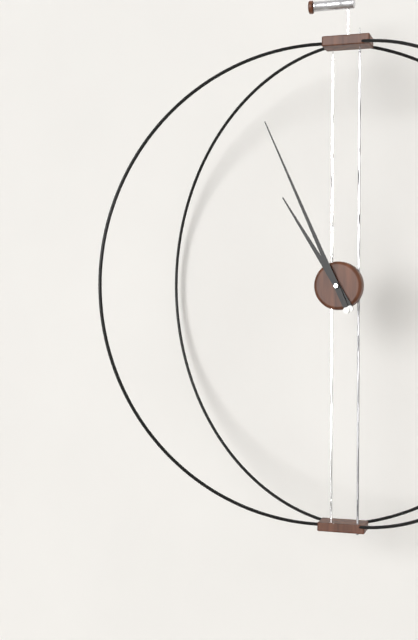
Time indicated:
**10:56**
